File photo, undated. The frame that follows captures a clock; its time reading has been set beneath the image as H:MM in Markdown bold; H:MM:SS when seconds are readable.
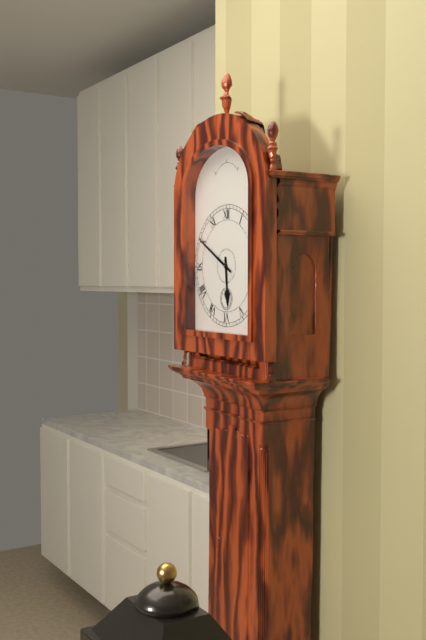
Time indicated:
**5:50**
